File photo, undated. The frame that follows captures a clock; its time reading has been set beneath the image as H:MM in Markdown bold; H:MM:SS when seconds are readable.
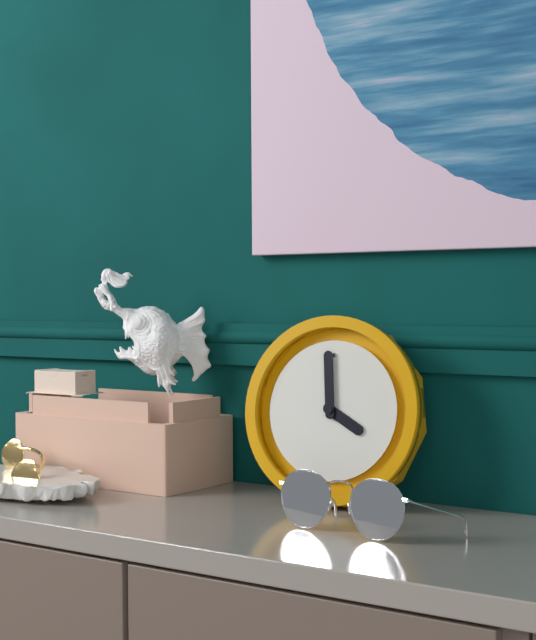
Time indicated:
**3:59**
